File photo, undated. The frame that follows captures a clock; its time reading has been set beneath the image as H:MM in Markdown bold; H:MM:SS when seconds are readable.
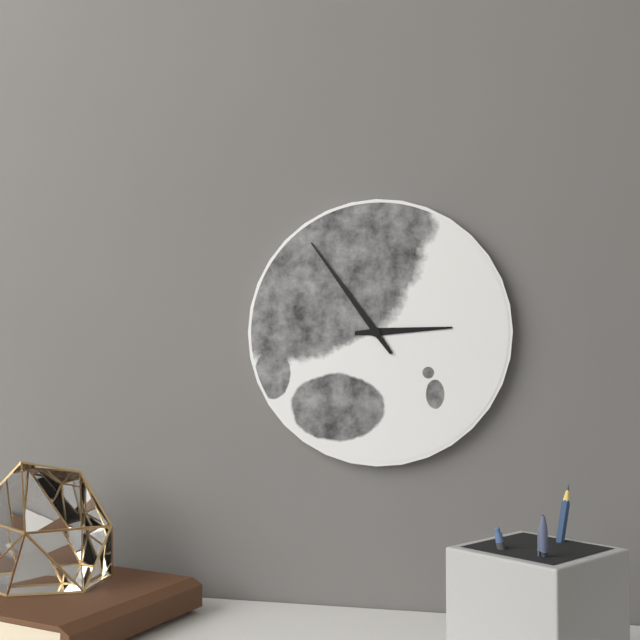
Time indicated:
**2:54**
